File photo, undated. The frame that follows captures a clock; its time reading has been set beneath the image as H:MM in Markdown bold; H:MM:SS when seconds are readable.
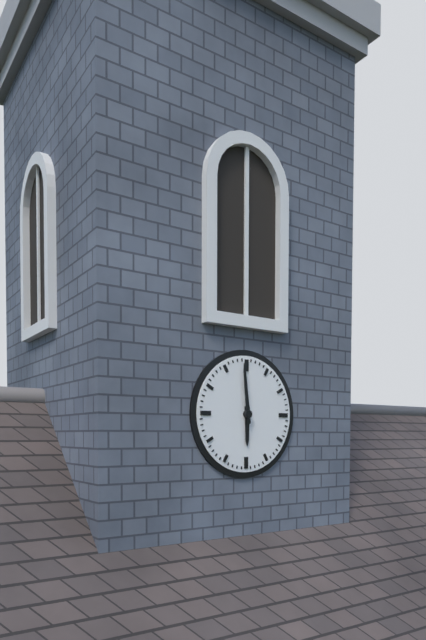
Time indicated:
**5:59**
